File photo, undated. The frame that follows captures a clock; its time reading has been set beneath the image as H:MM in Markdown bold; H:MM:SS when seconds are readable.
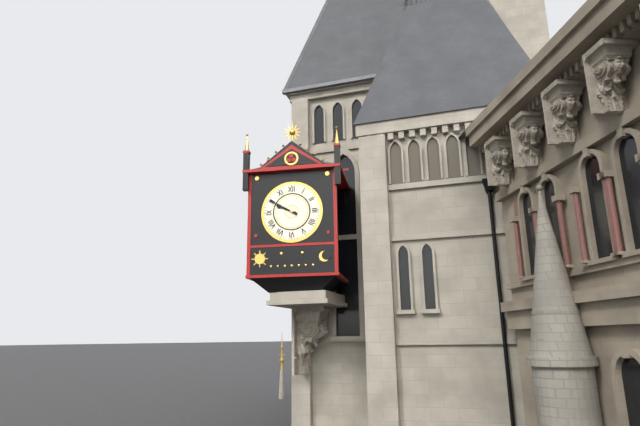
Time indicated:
**9:50**
